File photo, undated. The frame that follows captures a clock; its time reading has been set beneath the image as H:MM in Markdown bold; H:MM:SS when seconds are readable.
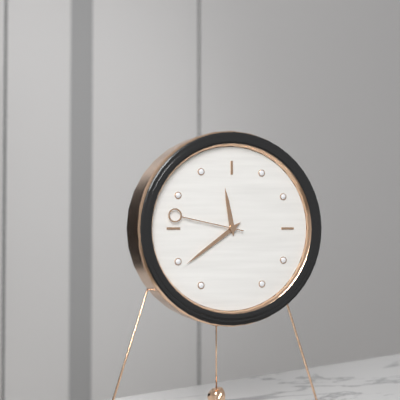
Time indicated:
**11:39:47**
